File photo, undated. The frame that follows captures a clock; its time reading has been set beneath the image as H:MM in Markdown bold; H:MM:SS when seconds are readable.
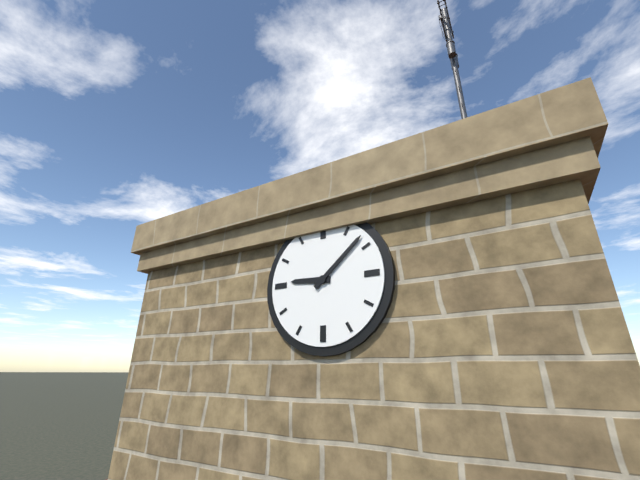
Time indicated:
**9:08**
